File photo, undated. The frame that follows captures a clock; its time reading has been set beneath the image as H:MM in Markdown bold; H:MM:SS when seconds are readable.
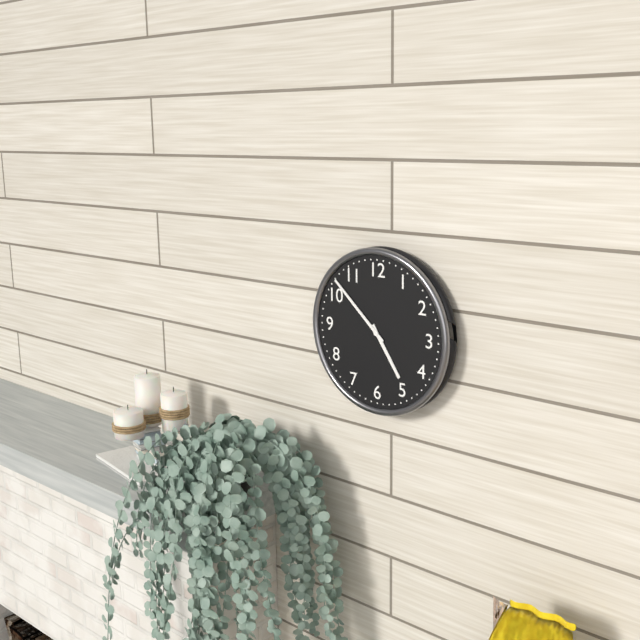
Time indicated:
**4:52**
